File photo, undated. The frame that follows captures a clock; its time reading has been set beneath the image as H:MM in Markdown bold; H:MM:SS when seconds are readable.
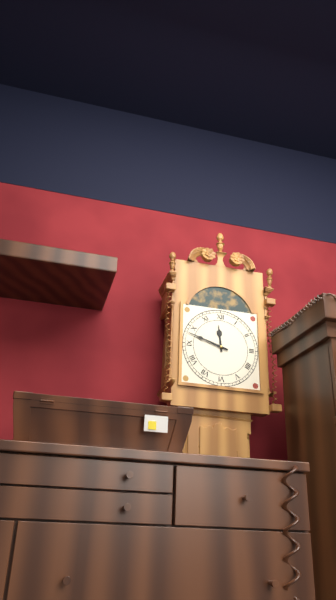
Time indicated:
**11:48**
